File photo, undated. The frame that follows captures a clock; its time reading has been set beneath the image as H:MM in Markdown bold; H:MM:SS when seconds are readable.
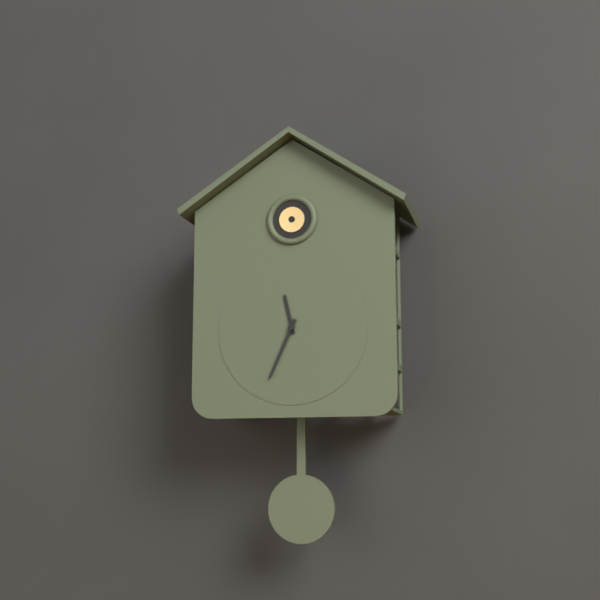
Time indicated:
**11:34**
